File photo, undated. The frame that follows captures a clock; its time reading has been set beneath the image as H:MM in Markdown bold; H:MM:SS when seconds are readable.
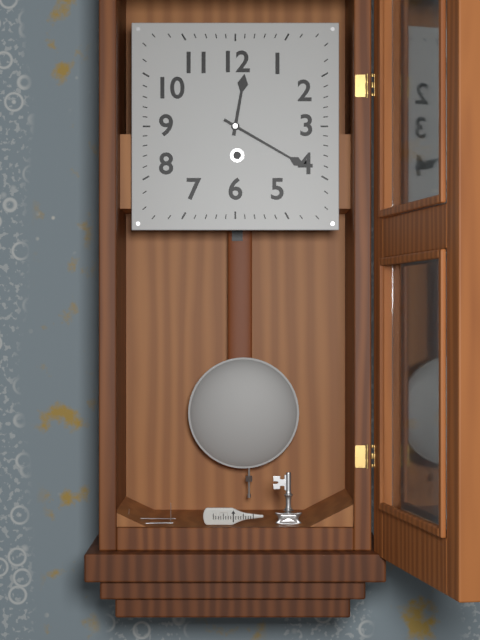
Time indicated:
**12:20**
